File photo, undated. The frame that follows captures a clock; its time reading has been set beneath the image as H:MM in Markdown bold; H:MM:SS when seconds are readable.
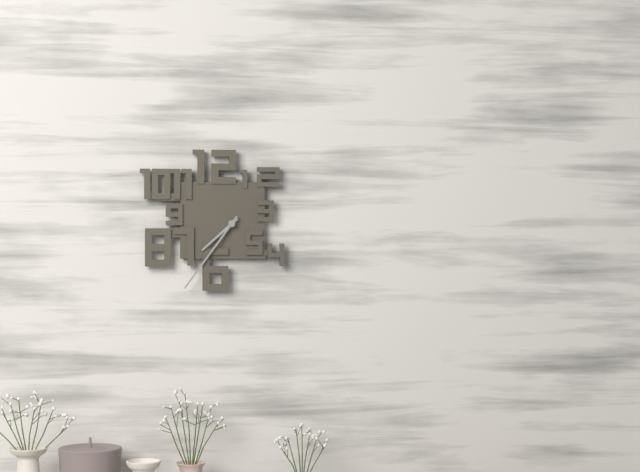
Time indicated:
**7:36**
